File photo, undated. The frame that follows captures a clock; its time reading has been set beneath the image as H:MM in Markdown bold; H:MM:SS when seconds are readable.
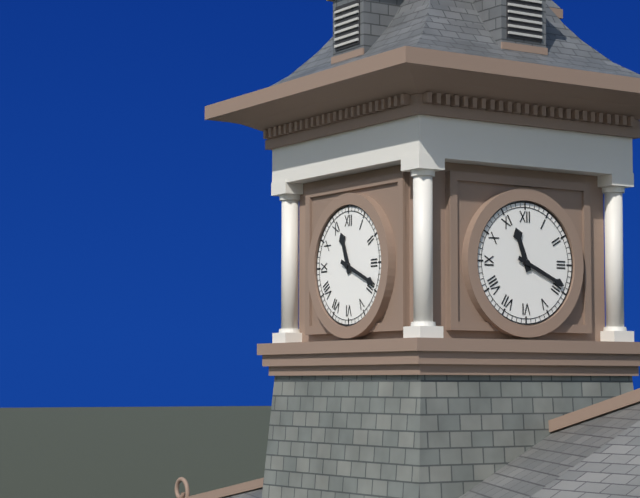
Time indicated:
**11:19**
